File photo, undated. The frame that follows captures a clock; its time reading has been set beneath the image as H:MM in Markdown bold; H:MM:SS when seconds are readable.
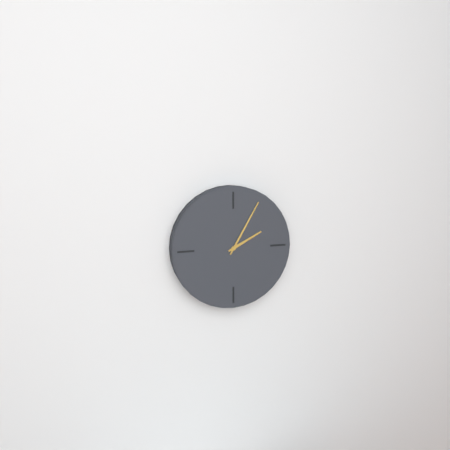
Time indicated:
**2:05**
